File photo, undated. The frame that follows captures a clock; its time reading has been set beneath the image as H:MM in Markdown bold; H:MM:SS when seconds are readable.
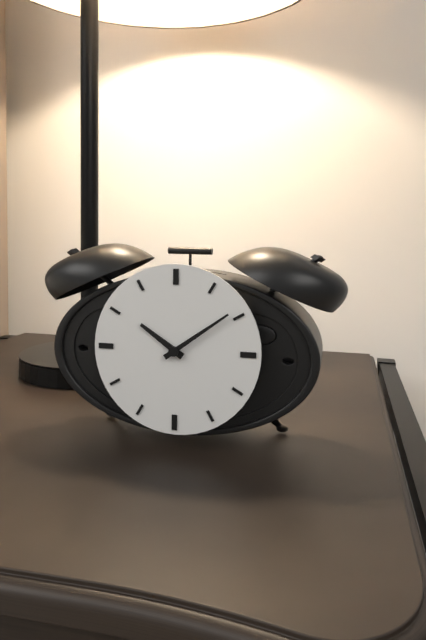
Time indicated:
**10:09**
